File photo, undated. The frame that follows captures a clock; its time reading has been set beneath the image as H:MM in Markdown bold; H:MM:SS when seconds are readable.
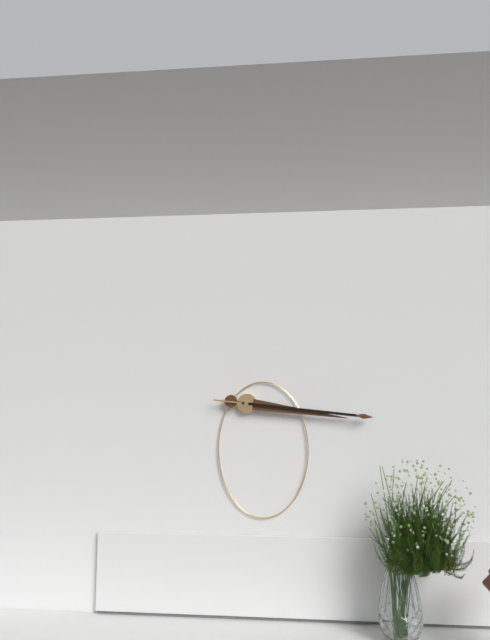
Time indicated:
**3:16**
